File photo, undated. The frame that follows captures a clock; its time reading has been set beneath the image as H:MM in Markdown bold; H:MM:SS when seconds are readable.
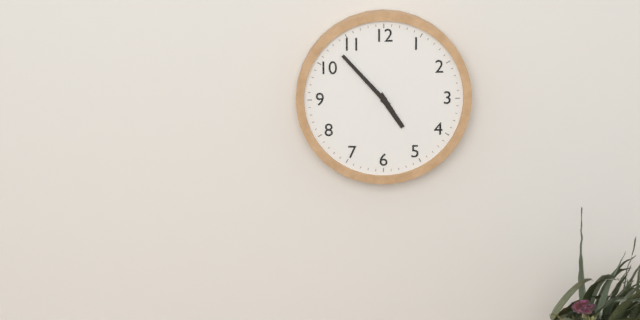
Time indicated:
**4:53**
